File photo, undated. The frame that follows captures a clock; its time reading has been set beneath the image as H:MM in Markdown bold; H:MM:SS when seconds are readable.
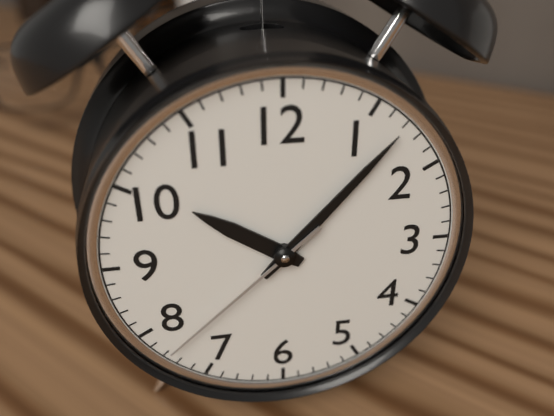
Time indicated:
**10:07:38**
